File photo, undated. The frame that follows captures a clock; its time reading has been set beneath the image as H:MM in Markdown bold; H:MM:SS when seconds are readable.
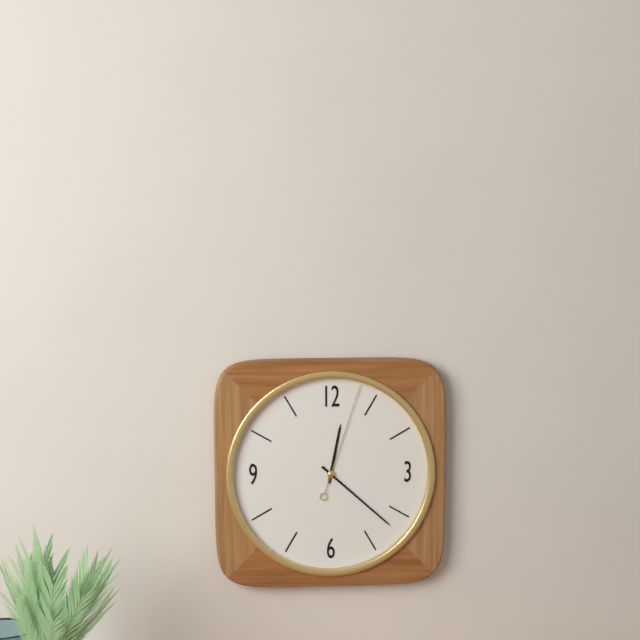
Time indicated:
**12:22:03**
